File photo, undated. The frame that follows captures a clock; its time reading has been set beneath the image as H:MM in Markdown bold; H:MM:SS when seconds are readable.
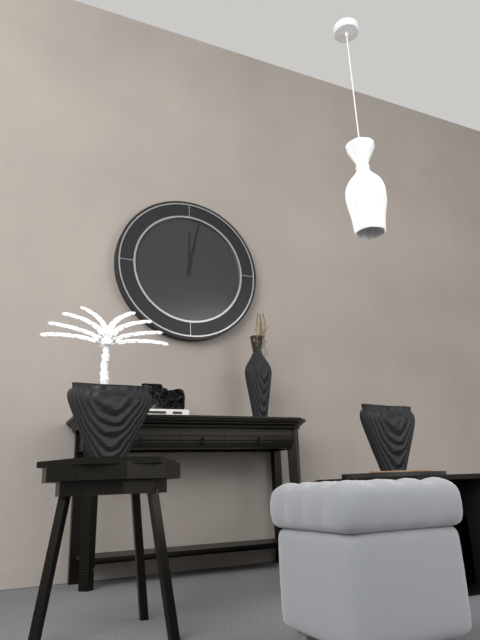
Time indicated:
**12:02**
